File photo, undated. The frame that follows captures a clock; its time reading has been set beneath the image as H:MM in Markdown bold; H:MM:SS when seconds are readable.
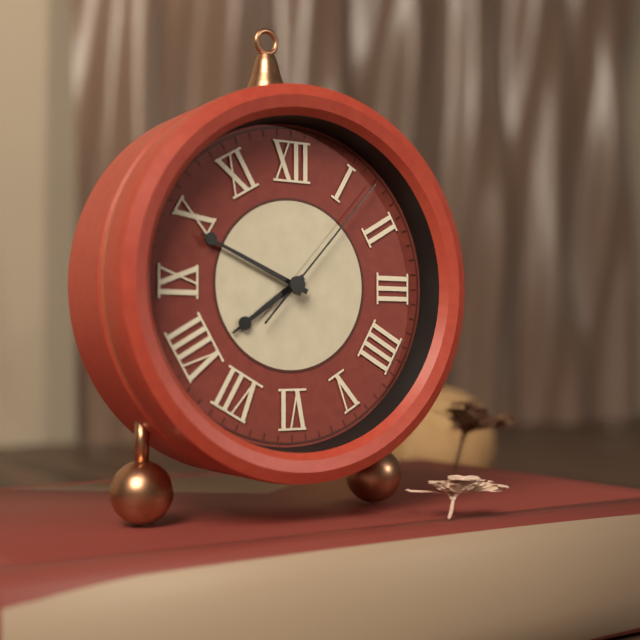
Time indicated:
**7:49:07**
